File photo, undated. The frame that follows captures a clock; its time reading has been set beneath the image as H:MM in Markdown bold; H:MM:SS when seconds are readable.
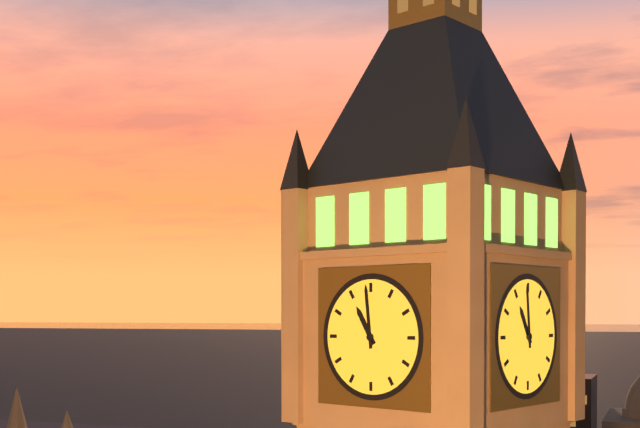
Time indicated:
**10:59**
